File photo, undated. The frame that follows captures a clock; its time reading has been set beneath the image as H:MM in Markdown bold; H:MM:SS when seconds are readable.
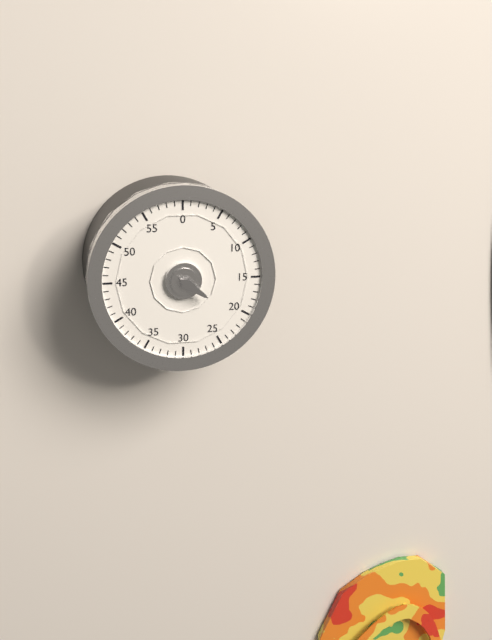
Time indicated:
**4:21**
